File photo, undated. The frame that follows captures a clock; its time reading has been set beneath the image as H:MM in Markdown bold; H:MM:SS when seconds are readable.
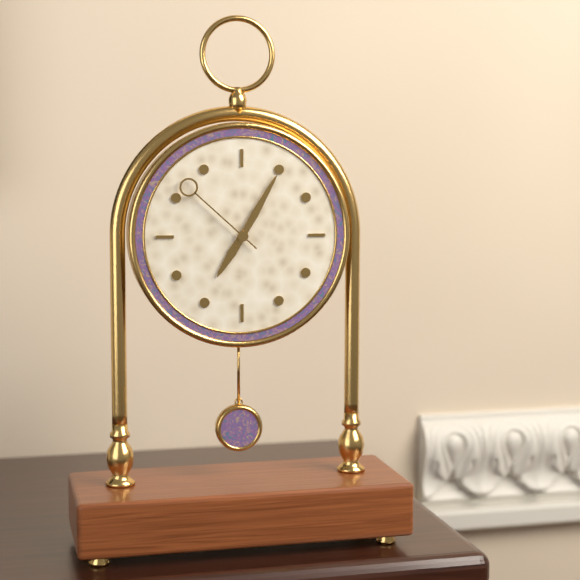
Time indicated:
**7:05:52**
